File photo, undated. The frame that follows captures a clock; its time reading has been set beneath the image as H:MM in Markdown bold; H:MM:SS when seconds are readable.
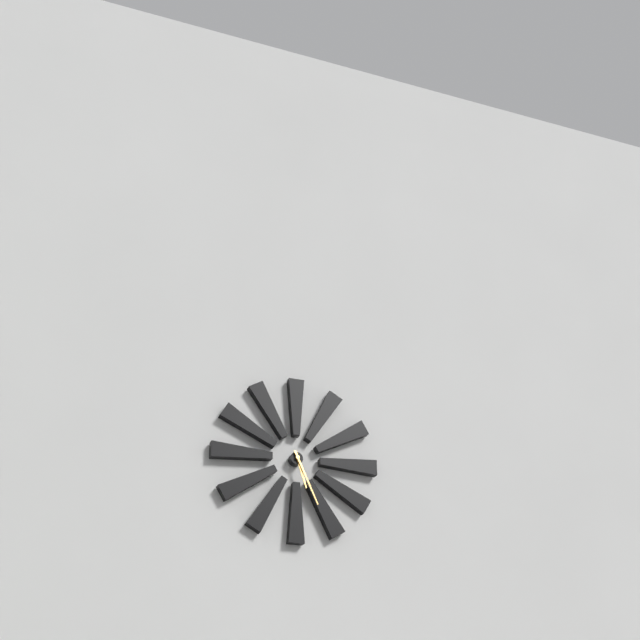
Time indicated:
**5:26**
